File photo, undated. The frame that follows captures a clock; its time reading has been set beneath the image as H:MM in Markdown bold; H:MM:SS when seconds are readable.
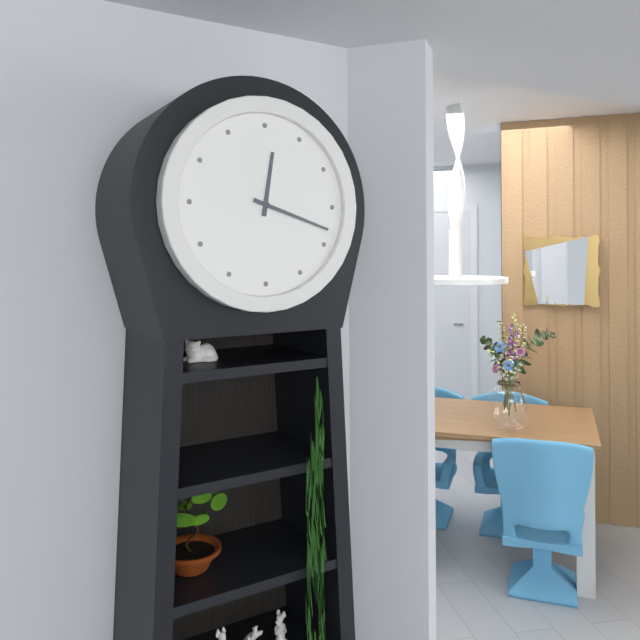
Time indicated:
**12:18**
